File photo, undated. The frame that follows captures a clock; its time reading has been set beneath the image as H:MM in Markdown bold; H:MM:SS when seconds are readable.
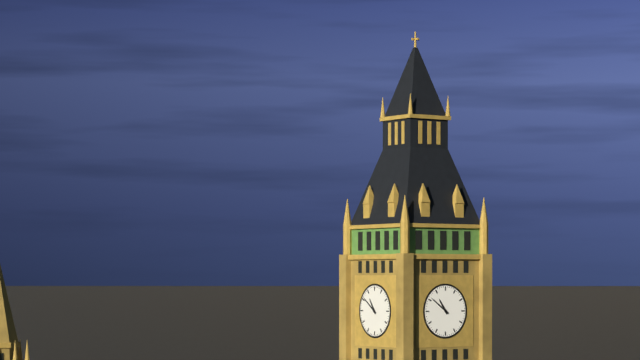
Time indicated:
**10:51**
